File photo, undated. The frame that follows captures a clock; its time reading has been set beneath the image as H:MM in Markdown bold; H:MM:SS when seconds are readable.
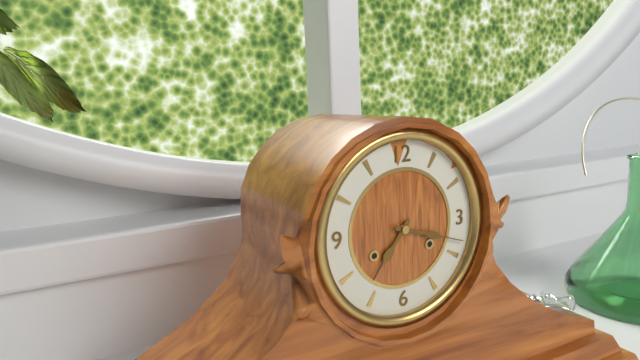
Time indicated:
**7:18**
